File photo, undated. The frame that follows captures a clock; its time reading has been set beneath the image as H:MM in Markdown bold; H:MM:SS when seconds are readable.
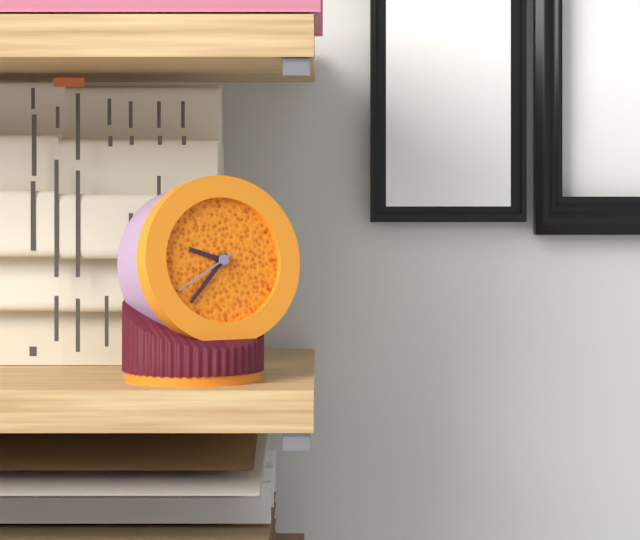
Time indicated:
**9:37:40**
